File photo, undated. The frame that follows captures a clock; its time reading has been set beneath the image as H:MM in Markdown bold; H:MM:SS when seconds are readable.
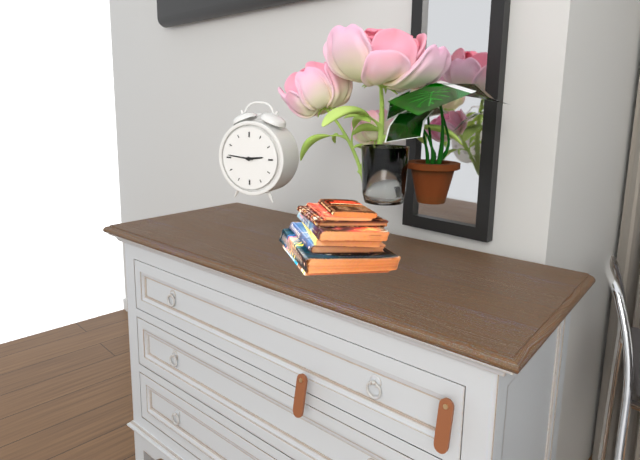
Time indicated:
**2:46**
